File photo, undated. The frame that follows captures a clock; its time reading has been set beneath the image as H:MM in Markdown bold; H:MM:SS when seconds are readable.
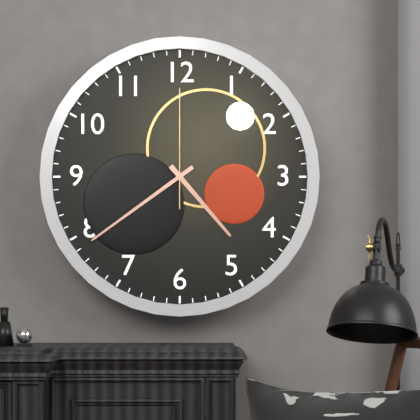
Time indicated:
**4:39:00**
